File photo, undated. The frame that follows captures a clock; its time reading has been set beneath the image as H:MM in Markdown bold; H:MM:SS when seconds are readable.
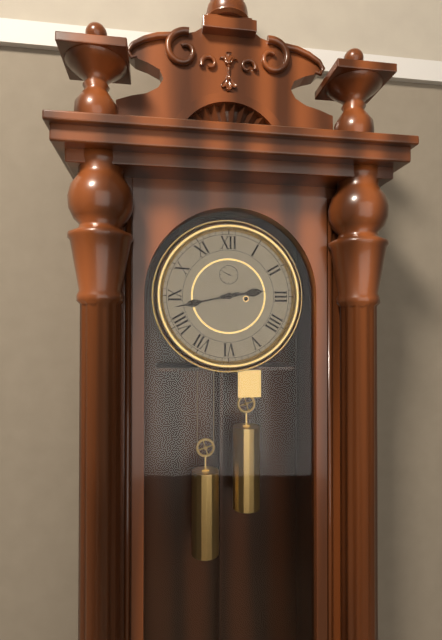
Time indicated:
**2:43**
